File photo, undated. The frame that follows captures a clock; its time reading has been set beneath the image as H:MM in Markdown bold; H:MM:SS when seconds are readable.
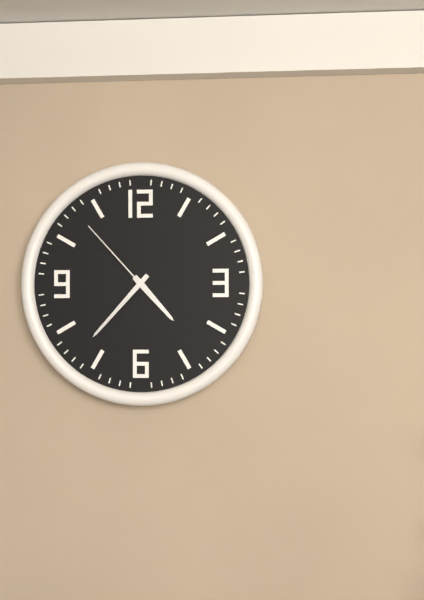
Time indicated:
**4:37:53**
